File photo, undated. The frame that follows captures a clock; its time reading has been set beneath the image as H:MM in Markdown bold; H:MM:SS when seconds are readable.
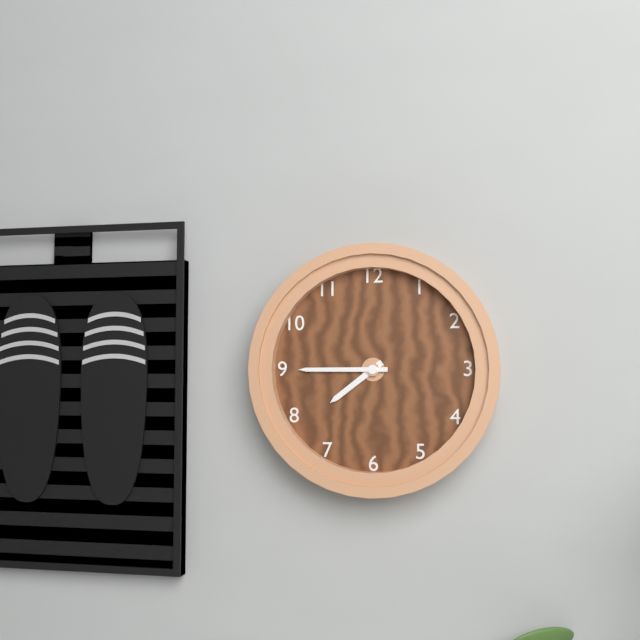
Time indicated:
**7:45**
